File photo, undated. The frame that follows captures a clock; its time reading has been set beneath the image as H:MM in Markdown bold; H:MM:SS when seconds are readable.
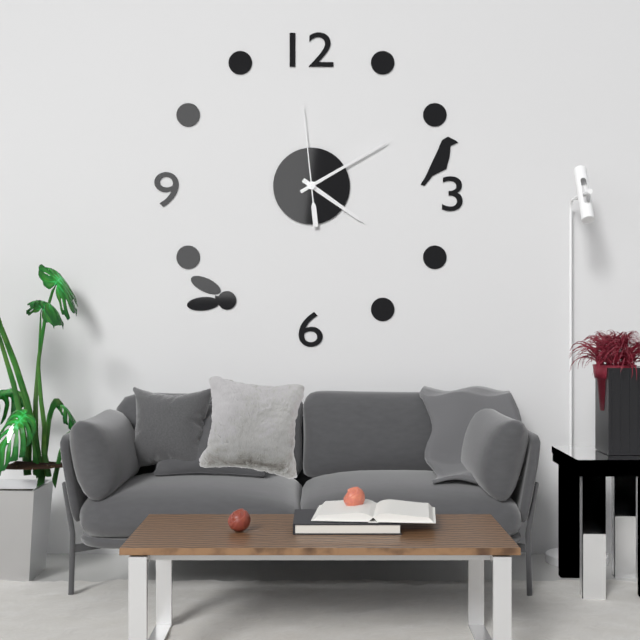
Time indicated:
**4:10:59**
